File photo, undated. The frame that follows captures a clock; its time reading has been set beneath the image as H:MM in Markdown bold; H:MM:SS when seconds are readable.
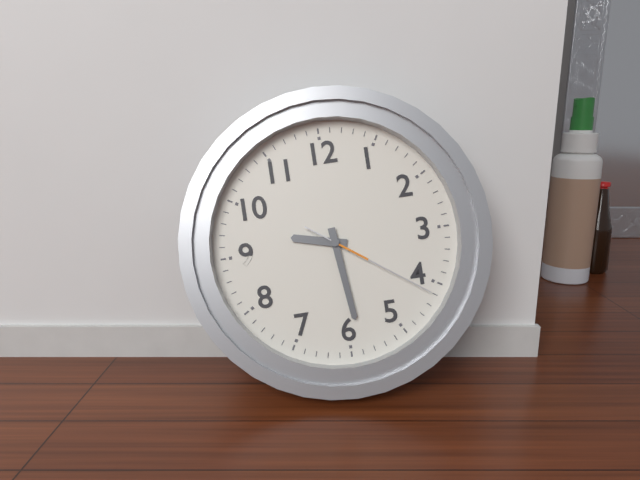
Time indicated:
**9:29:21**
